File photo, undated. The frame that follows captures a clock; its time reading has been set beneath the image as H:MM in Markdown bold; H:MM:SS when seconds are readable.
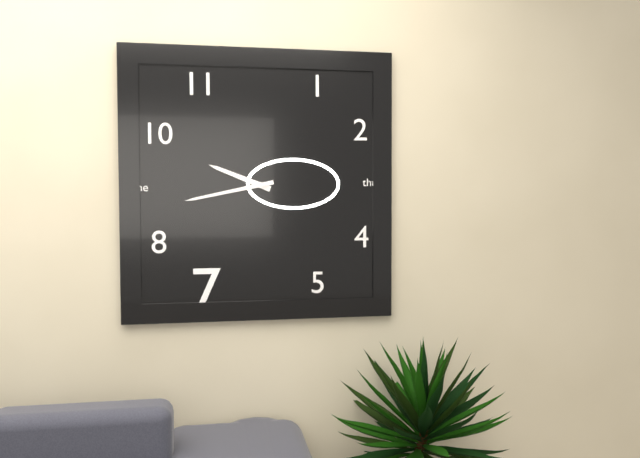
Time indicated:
**9:43**
